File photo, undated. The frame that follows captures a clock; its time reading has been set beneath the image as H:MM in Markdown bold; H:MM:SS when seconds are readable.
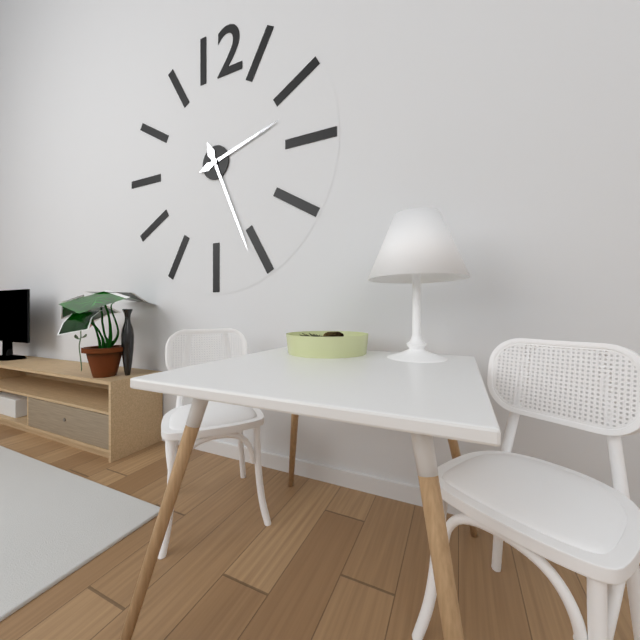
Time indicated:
**2:26**
